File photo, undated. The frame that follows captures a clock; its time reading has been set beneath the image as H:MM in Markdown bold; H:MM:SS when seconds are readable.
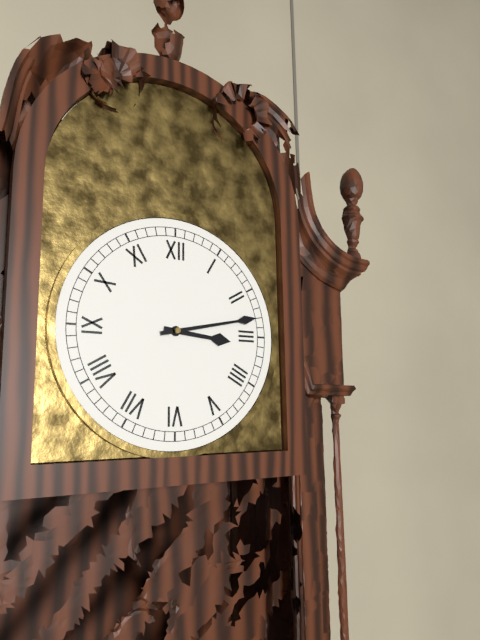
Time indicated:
**3:13**
